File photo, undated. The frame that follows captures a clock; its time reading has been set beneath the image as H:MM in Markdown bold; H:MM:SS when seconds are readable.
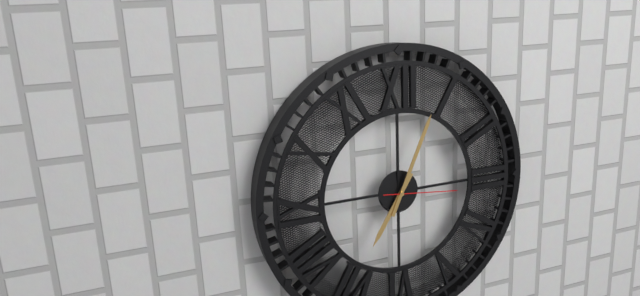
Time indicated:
**7:04:16**
